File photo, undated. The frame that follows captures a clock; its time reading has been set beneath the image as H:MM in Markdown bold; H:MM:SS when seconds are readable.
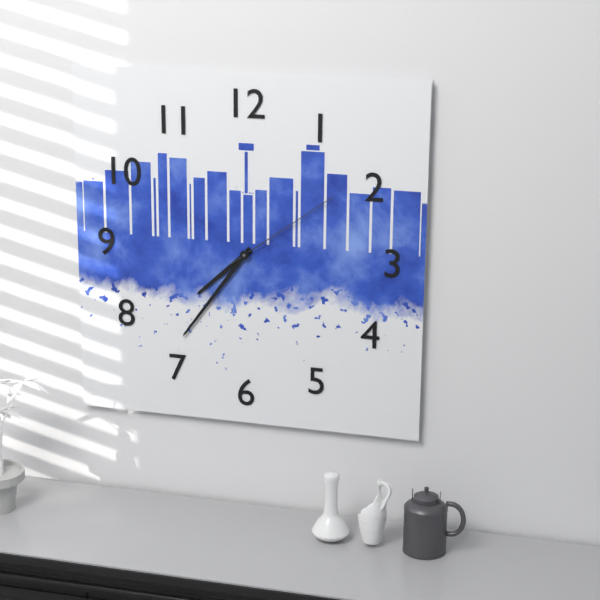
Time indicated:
**7:36:09**
